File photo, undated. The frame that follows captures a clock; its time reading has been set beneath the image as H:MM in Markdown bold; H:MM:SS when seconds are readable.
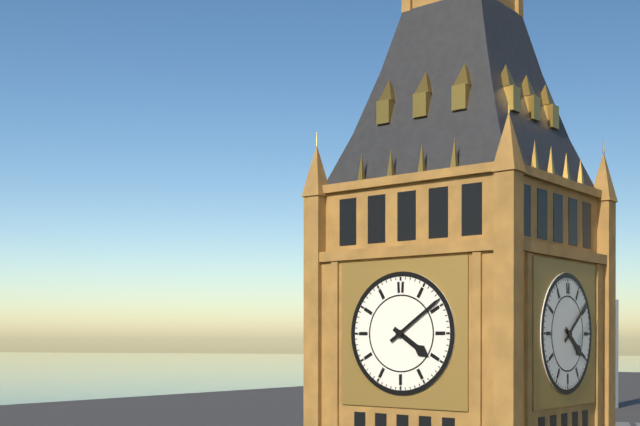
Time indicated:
**4:09**
